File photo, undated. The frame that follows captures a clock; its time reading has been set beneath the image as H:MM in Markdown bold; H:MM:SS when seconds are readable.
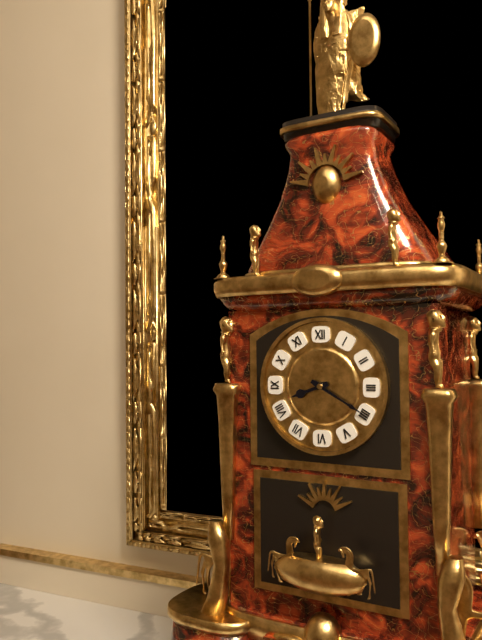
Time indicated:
**8:20**
